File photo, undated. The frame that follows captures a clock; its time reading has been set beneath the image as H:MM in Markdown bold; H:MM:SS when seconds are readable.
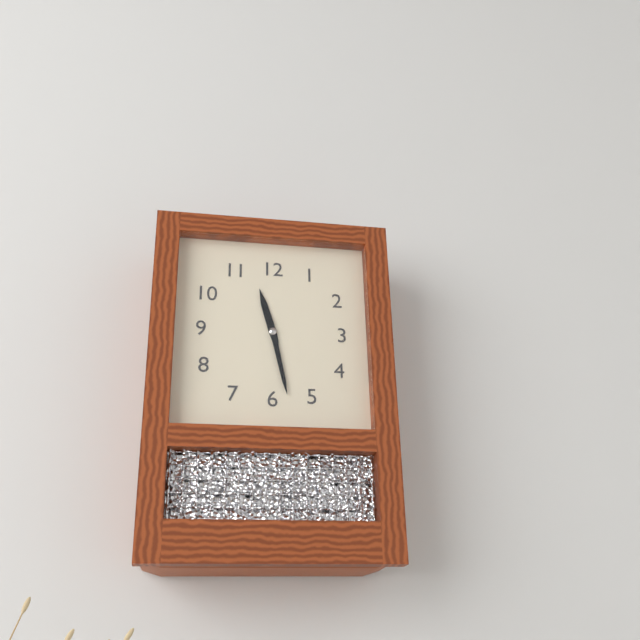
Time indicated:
**11:28**
